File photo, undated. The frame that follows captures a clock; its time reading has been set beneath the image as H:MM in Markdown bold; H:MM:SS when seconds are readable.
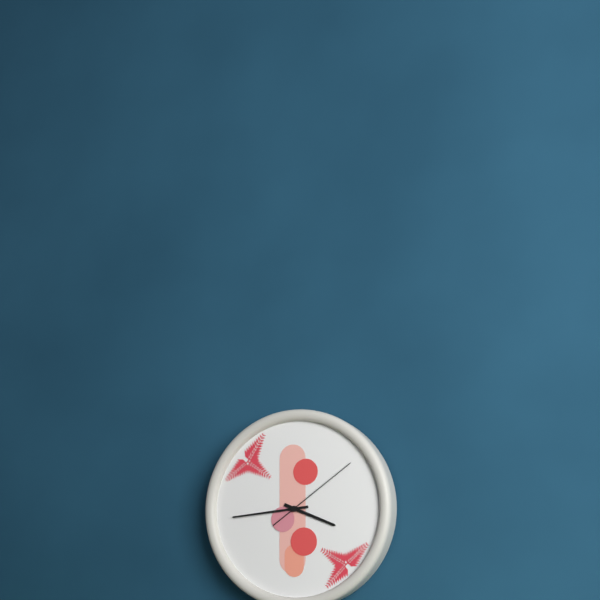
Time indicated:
**3:44:09**
